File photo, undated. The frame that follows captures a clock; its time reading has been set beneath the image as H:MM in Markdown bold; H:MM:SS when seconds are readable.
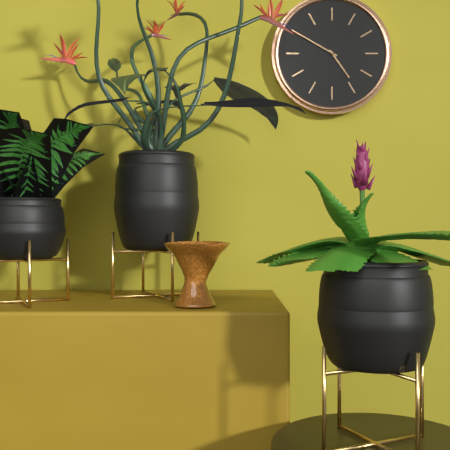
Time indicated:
**4:50**
